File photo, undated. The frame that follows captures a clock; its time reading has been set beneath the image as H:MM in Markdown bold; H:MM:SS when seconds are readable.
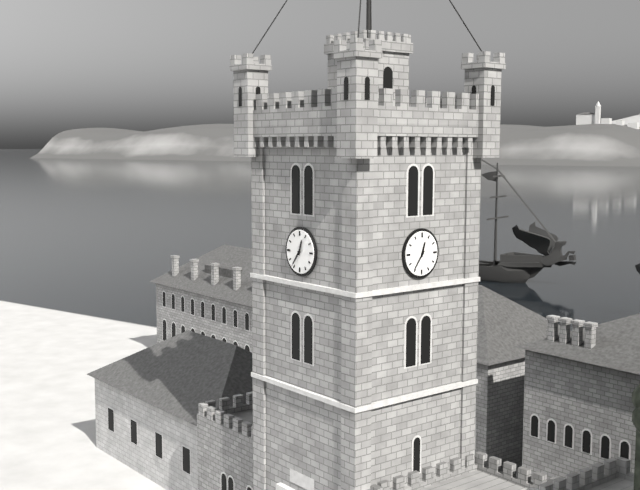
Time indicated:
**12:36**
